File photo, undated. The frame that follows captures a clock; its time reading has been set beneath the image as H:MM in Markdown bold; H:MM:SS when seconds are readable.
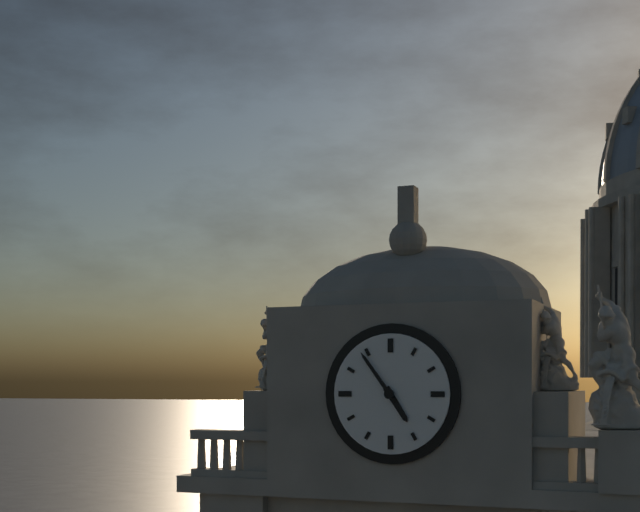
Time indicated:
**4:54**
